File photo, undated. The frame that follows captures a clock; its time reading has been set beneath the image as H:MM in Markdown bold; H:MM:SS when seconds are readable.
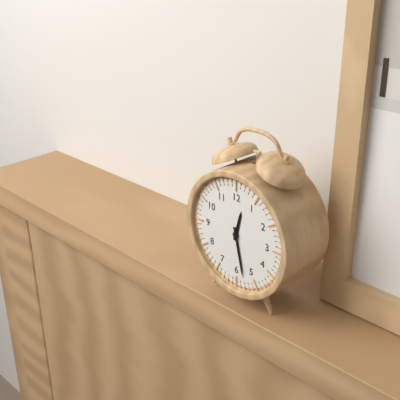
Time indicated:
**12:28**
